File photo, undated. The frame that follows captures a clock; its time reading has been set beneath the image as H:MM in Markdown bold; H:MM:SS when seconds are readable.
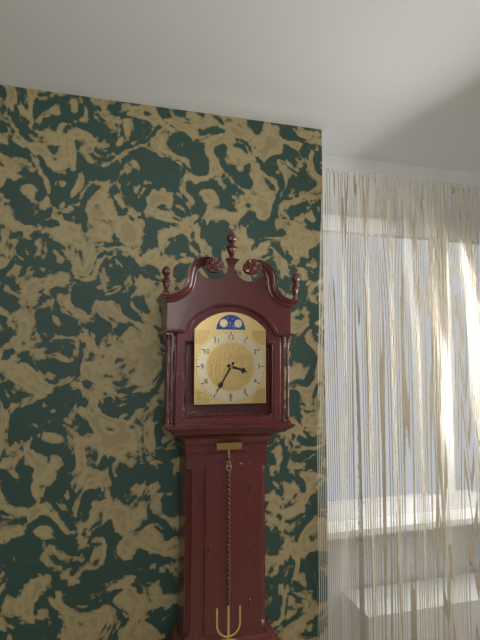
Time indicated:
**3:35**
